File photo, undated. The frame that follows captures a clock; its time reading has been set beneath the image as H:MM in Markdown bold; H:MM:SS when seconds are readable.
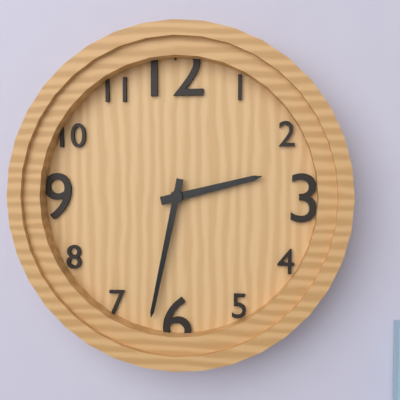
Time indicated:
**2:32**
